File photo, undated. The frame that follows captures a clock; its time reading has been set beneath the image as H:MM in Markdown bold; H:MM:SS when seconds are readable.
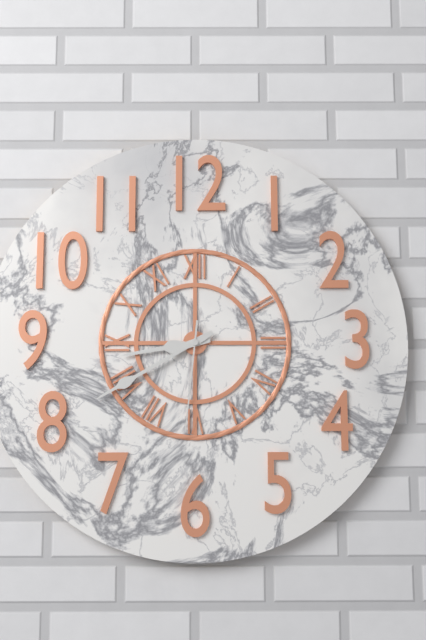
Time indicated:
**8:40:31**
